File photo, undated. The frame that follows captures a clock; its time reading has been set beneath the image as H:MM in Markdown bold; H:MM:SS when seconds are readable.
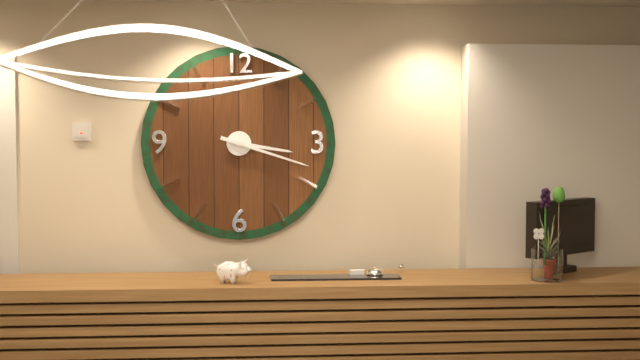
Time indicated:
**3:18**
